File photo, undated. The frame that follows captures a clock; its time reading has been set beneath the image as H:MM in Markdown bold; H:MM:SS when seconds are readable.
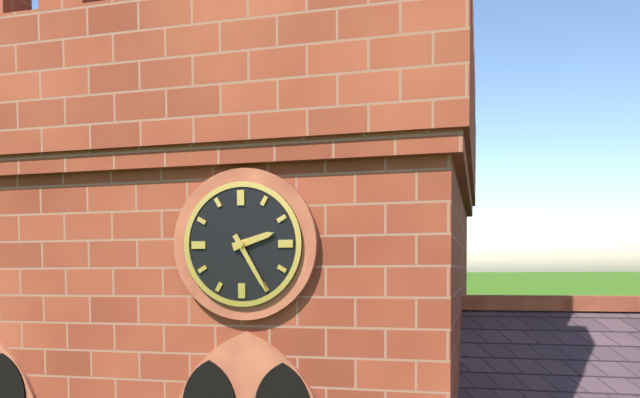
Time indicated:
**2:25**
